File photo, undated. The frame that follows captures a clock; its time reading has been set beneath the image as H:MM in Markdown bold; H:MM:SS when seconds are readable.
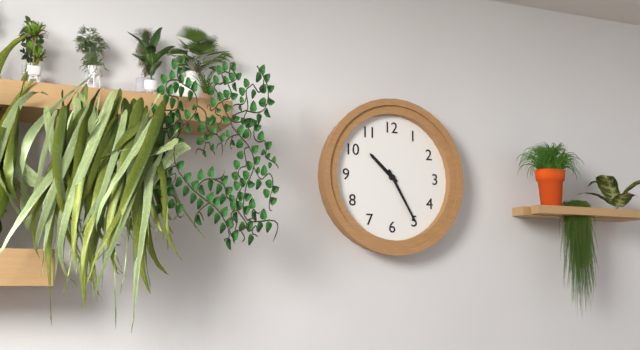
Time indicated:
**10:25**
